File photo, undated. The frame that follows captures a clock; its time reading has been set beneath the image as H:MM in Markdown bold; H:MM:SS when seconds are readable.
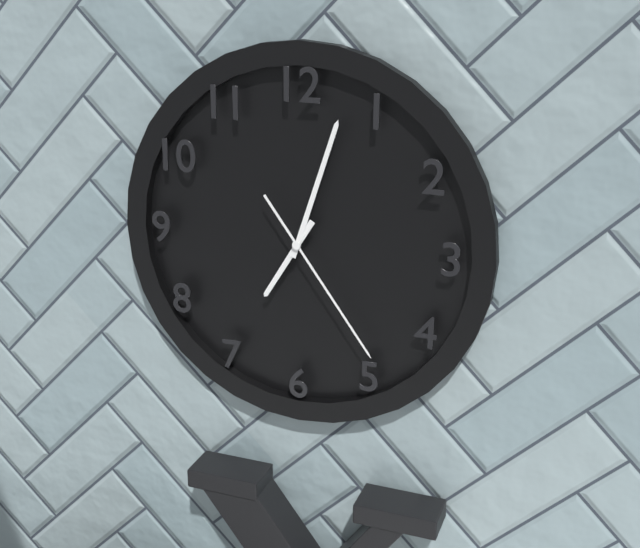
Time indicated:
**7:03:24**
